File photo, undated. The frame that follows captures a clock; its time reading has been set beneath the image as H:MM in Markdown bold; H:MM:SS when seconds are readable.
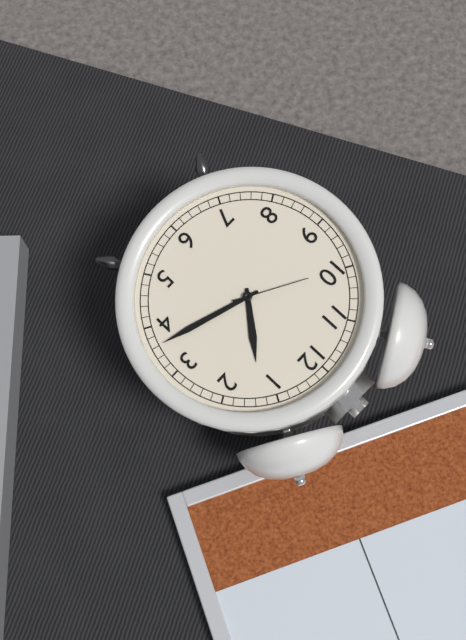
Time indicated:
**1:18:50**
